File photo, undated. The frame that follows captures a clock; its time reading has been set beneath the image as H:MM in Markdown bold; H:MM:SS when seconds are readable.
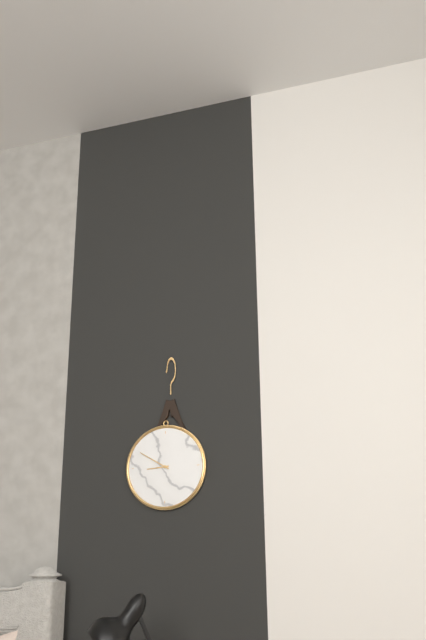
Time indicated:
**8:50**
